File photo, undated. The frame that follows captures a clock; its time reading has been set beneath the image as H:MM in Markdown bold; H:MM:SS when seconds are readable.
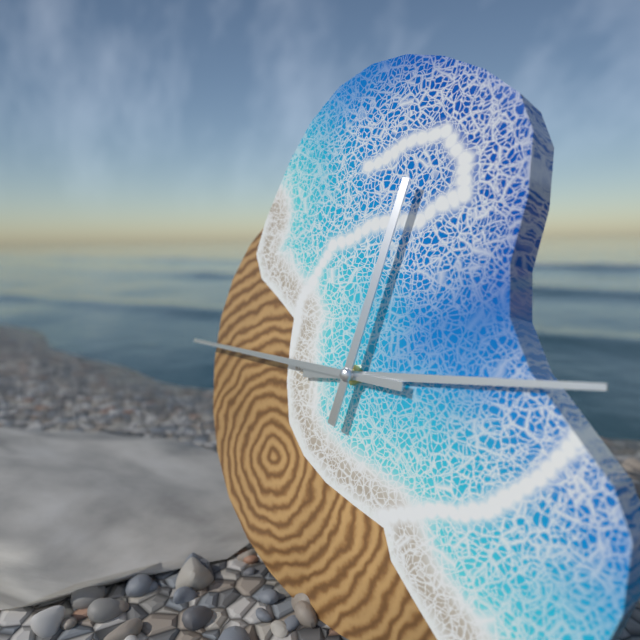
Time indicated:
**2:45:02**
